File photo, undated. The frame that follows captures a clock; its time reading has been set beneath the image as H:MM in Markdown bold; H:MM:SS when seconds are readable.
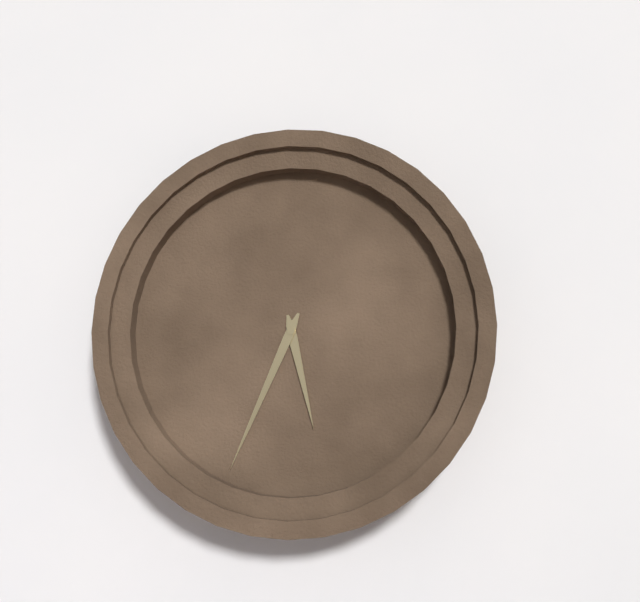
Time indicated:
**5:34**
